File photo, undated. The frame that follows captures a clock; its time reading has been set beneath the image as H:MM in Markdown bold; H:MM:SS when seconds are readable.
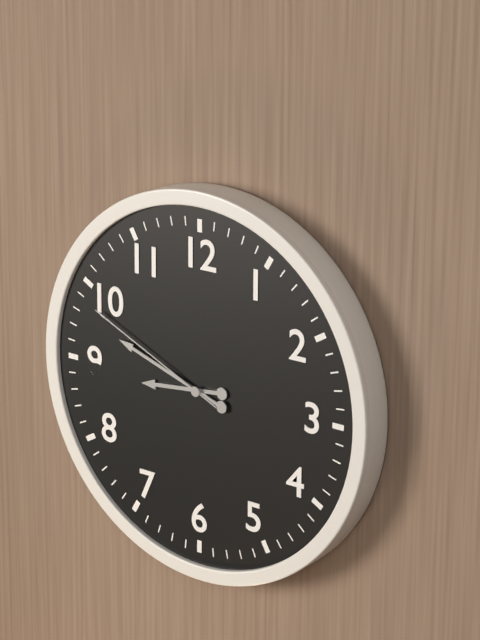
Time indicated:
**8:48:49**
